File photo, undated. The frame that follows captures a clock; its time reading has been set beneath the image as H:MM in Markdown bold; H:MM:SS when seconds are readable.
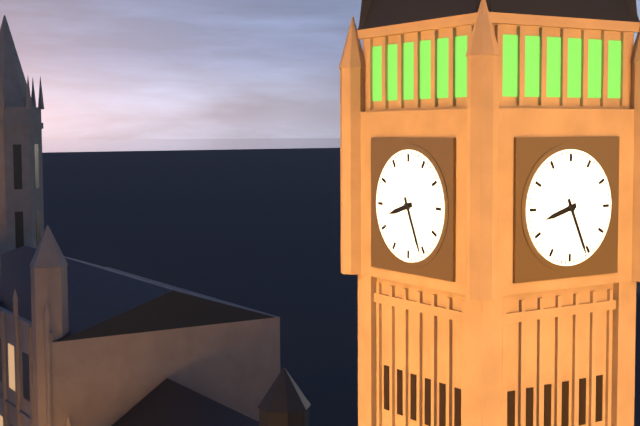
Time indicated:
**8:26**
